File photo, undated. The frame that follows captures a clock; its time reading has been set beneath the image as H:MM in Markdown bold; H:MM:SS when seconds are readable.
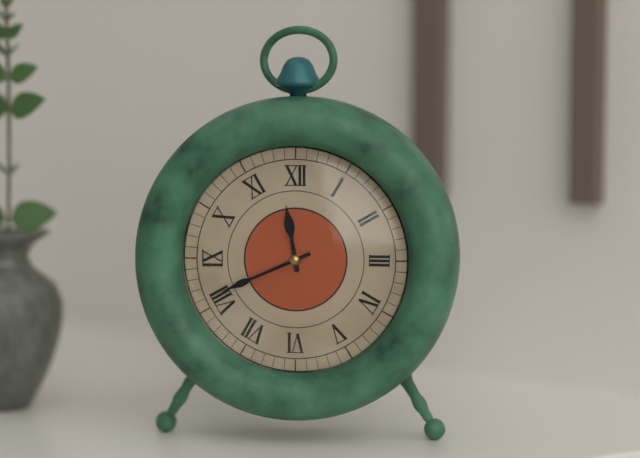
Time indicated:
**11:41**
